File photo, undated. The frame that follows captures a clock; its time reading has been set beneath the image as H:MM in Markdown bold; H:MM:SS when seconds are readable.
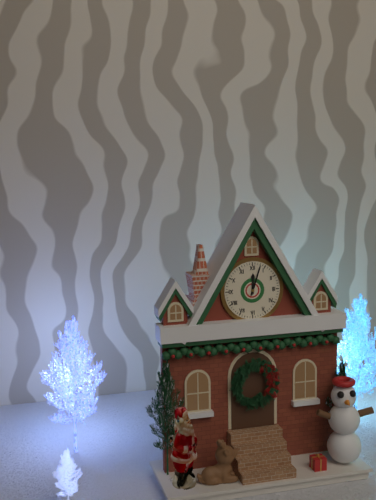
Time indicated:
**12:03**
